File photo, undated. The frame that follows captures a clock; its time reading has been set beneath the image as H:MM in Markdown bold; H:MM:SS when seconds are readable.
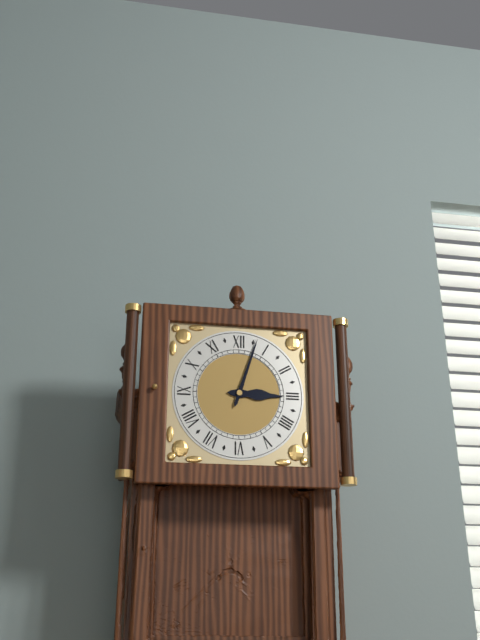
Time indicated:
**3:03**
